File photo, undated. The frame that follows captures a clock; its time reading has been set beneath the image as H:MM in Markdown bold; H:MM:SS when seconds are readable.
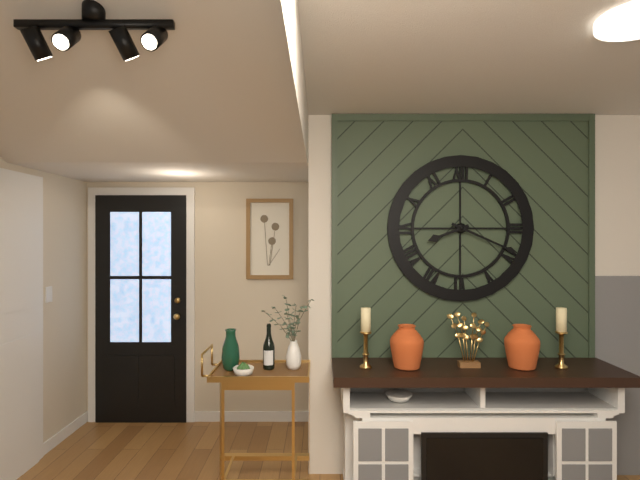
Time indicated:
**8:19**
